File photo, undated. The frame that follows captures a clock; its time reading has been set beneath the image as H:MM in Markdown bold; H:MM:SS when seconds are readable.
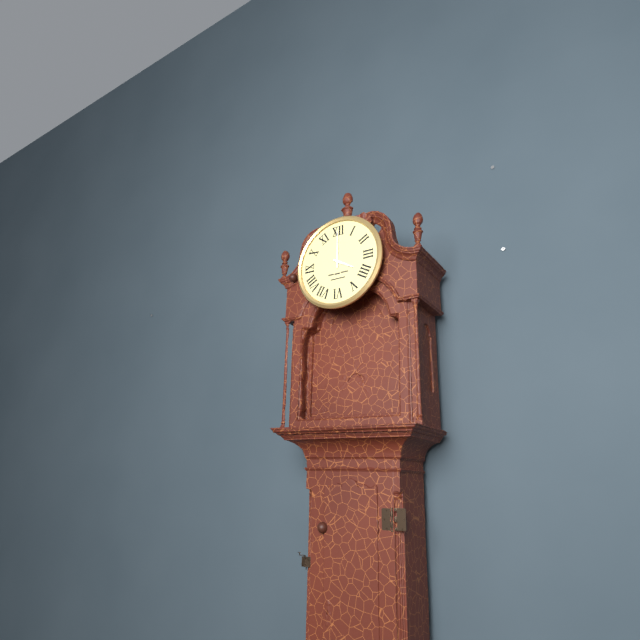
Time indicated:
**4:00**
